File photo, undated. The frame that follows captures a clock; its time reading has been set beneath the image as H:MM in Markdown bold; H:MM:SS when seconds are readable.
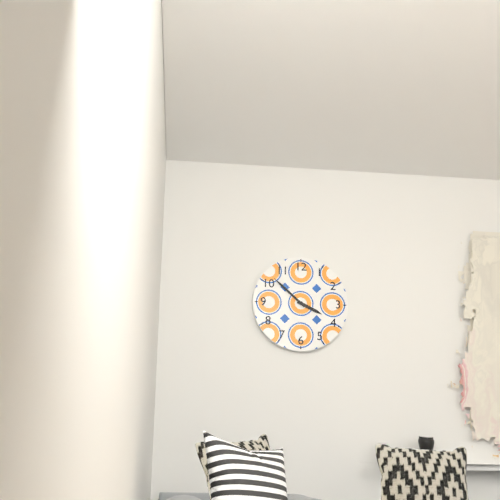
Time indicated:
**3:52**
